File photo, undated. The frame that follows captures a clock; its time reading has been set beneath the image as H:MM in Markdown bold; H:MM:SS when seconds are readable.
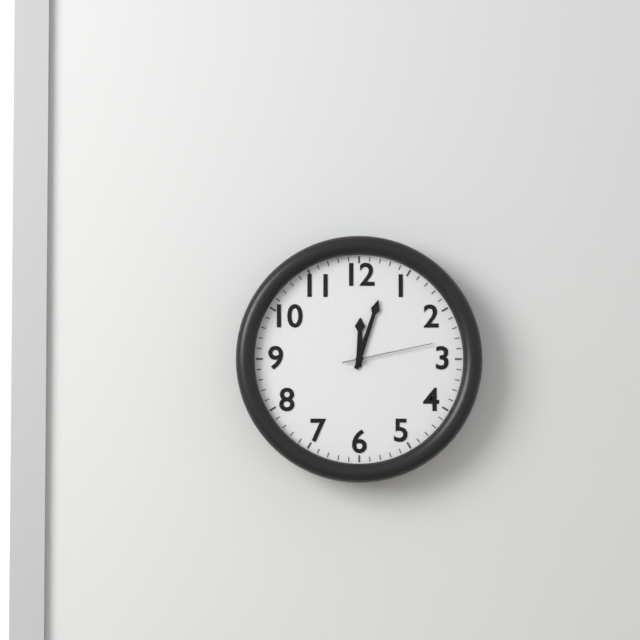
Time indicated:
**12:03:13**
